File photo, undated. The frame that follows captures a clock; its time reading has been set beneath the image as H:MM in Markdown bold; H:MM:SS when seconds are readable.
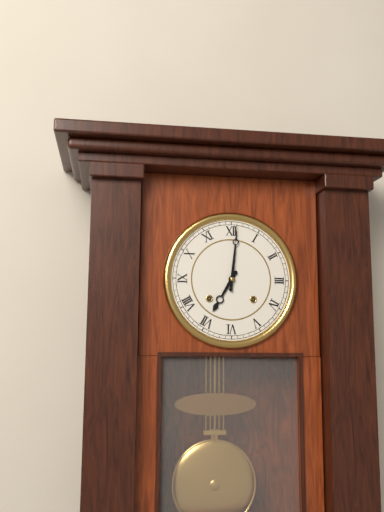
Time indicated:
**7:01**
